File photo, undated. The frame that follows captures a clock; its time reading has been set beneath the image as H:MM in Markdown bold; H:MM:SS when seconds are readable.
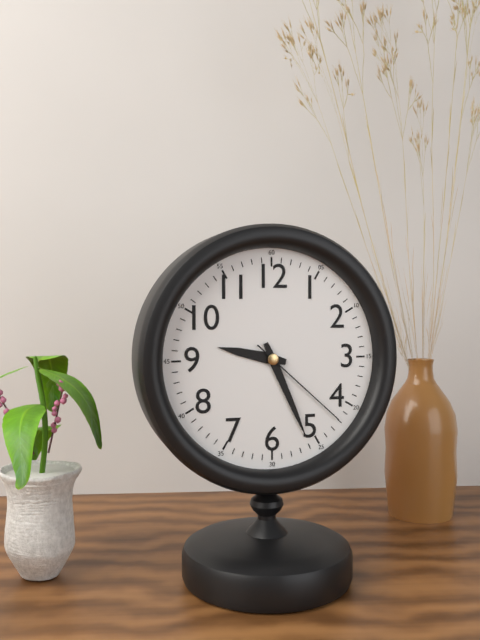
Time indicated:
**9:26:22**
